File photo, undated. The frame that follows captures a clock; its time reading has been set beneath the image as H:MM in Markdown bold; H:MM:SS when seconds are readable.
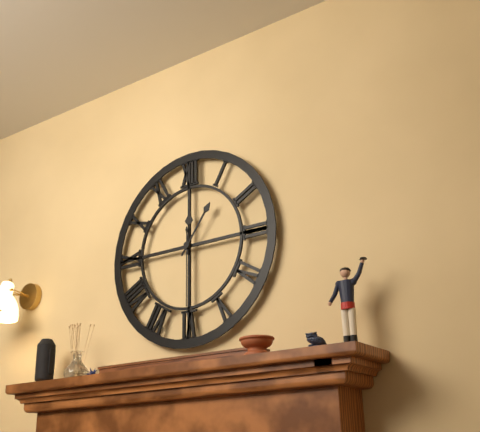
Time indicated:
**12:06:30**
